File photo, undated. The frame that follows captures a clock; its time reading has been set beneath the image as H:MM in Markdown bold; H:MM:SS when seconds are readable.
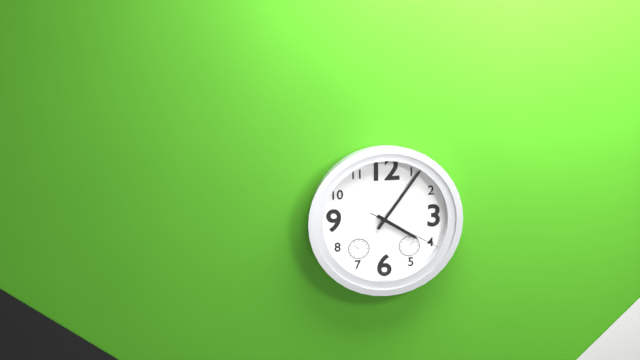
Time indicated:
**4:06:20**
